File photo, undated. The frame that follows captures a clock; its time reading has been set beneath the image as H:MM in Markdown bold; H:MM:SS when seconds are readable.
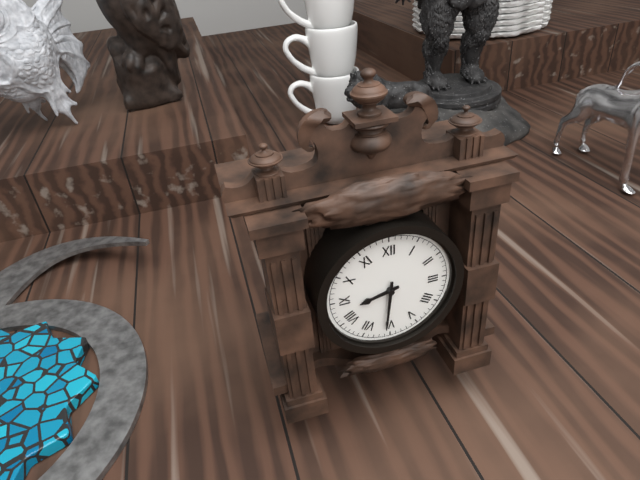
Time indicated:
**8:31**
